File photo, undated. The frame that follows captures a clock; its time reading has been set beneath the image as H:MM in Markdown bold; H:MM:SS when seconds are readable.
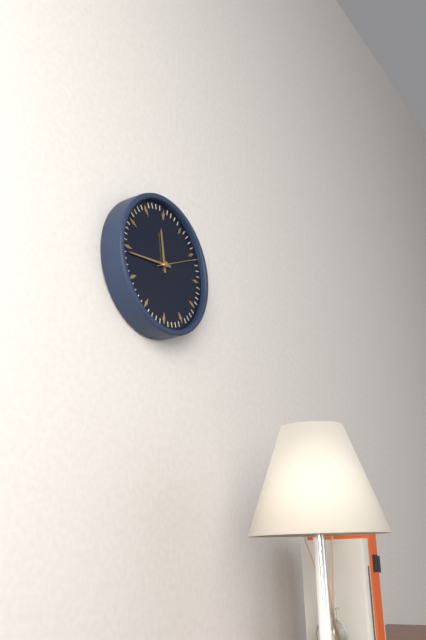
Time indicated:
**11:44**
